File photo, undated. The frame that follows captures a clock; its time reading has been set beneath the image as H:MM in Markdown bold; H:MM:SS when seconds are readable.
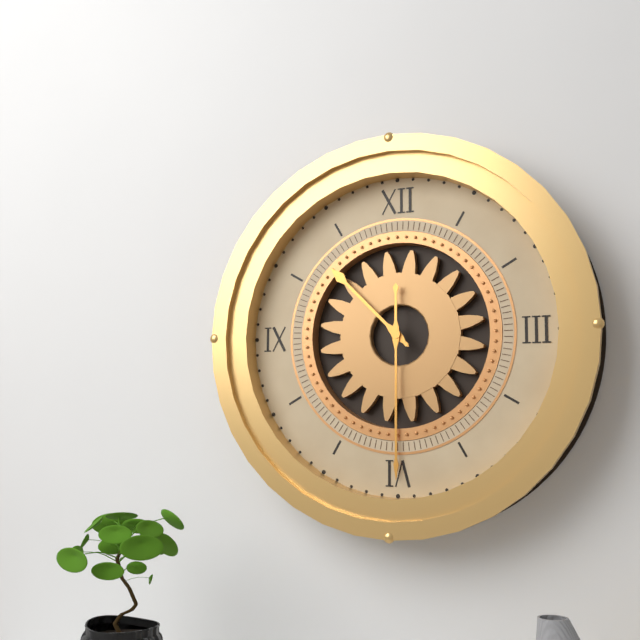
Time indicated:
**10:30**
